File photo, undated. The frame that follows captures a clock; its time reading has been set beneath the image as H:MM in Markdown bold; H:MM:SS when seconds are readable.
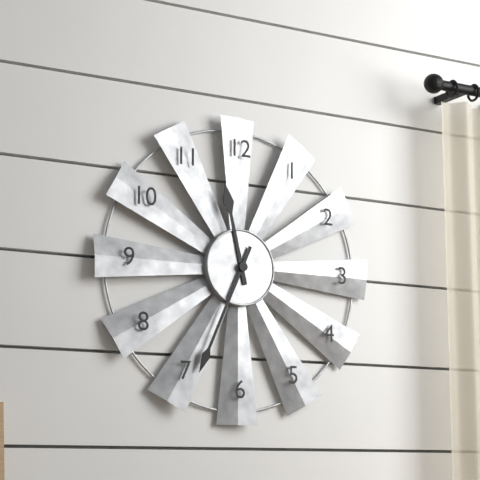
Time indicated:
**11:34**
